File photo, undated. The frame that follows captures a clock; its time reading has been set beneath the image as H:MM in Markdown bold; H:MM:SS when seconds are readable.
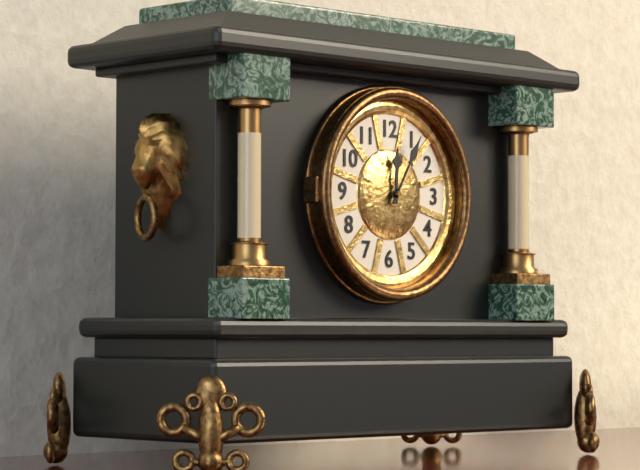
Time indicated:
**12:05**
